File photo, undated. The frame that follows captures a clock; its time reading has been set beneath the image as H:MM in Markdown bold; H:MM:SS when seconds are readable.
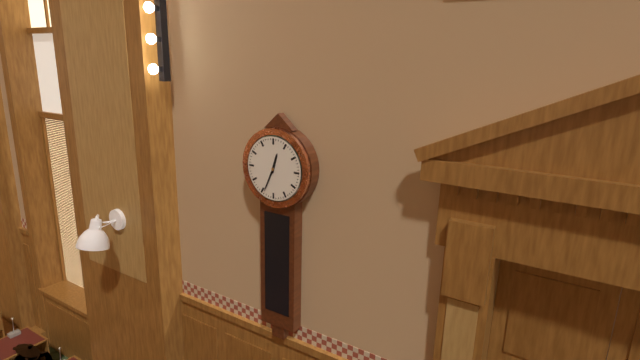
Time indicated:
**12:34**
